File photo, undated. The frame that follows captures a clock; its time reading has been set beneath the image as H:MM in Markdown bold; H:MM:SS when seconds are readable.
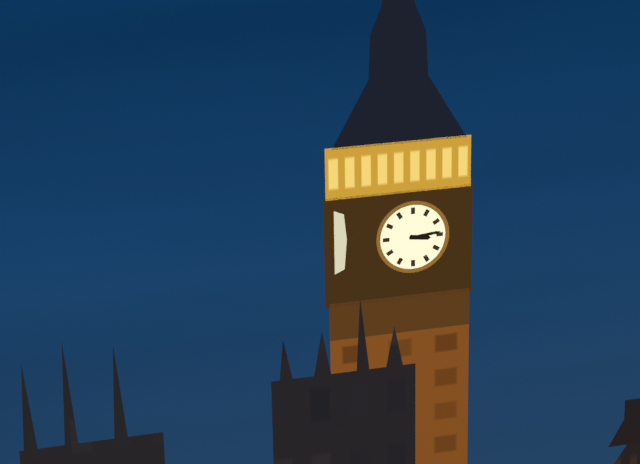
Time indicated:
**3:14**
